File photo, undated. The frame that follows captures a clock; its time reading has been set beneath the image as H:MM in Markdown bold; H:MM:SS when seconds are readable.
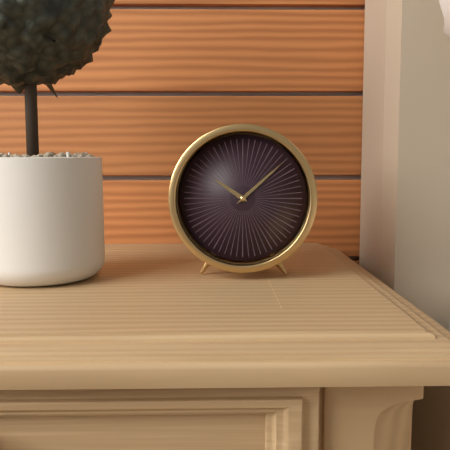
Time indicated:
**10:08**
